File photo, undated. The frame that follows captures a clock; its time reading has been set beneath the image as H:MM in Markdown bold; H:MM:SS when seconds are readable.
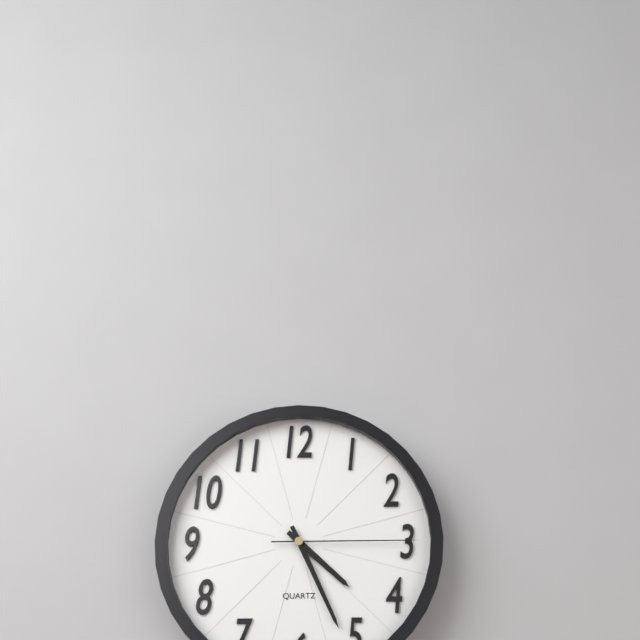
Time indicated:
**4:26:15**
